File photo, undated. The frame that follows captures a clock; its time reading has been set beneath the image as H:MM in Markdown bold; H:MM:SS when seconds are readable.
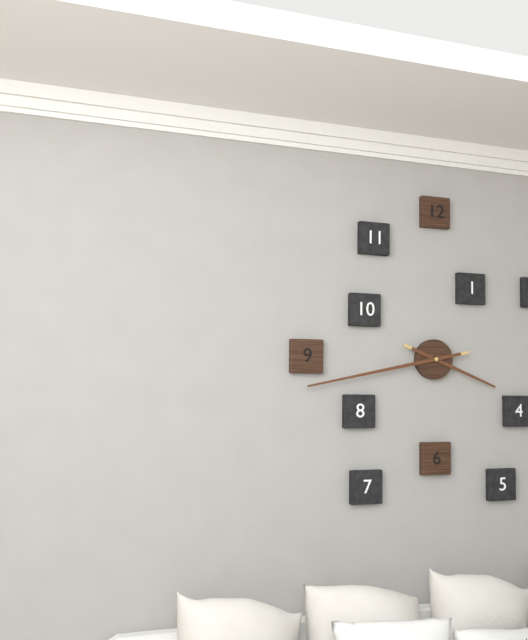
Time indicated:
**3:43**
